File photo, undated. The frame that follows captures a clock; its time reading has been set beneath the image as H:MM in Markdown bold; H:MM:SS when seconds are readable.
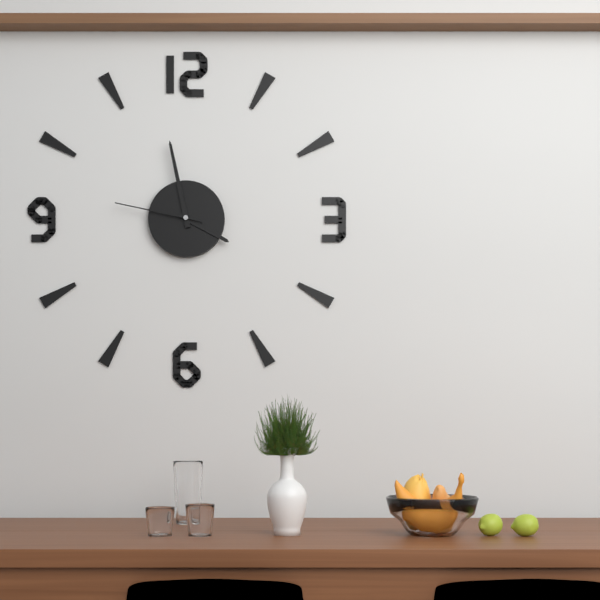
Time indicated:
**3:58:47**
